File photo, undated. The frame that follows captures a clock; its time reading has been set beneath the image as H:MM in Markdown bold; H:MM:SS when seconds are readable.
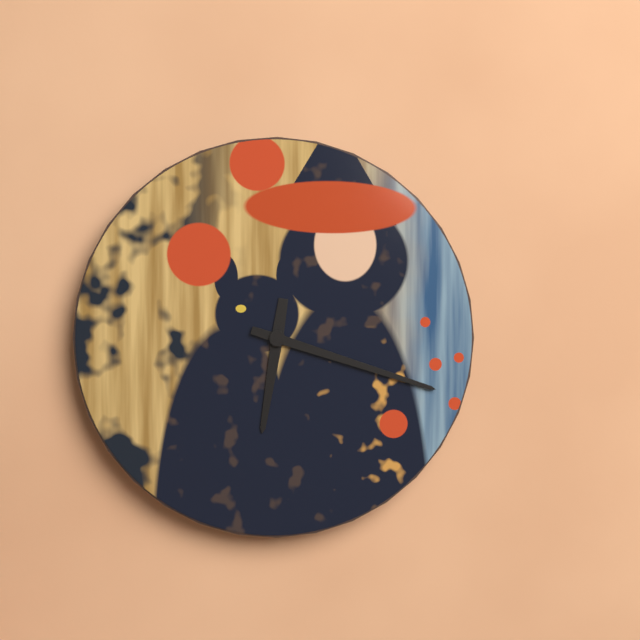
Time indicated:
**6:18**
